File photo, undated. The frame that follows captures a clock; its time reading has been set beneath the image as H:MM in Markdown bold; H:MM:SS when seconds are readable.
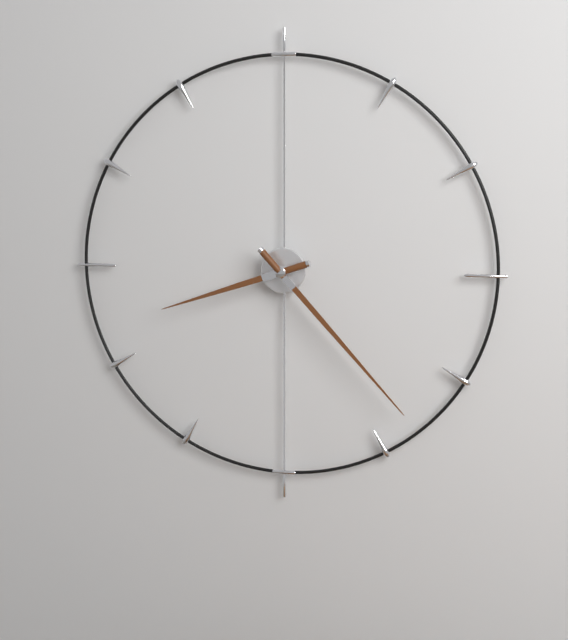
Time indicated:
**8:23**
